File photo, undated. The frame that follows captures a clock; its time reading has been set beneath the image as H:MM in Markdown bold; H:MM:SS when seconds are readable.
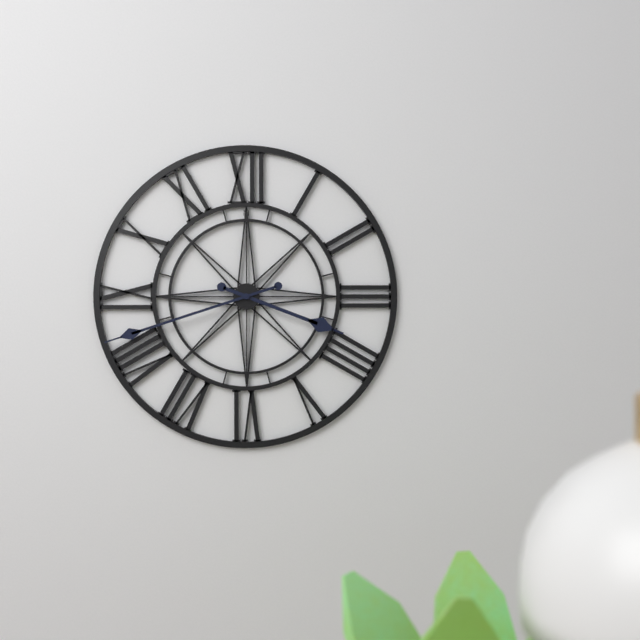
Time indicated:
**3:42**
